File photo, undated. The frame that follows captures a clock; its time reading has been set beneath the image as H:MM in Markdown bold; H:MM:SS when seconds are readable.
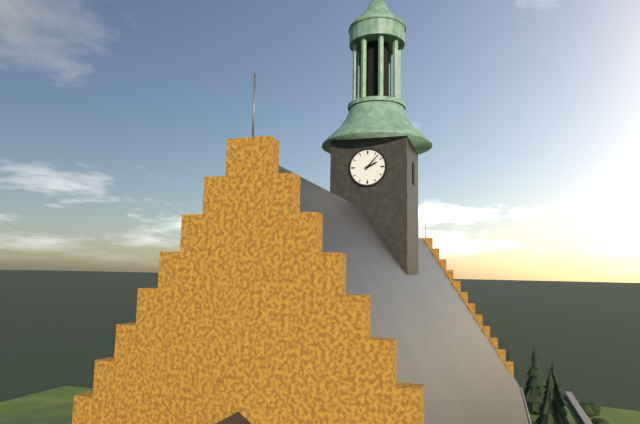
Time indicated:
**2:07**
